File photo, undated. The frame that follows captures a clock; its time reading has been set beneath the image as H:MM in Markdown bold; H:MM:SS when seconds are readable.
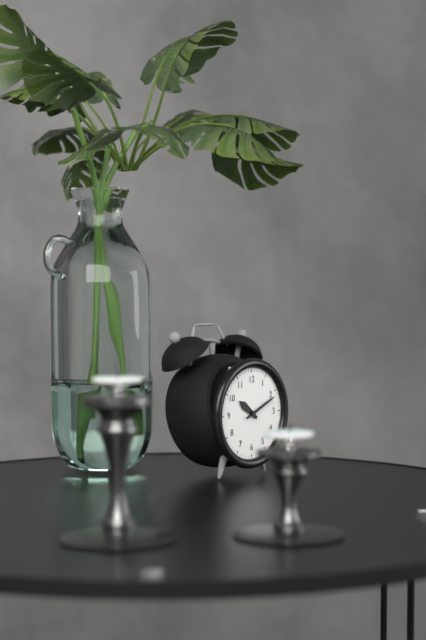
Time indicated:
**10:11**
